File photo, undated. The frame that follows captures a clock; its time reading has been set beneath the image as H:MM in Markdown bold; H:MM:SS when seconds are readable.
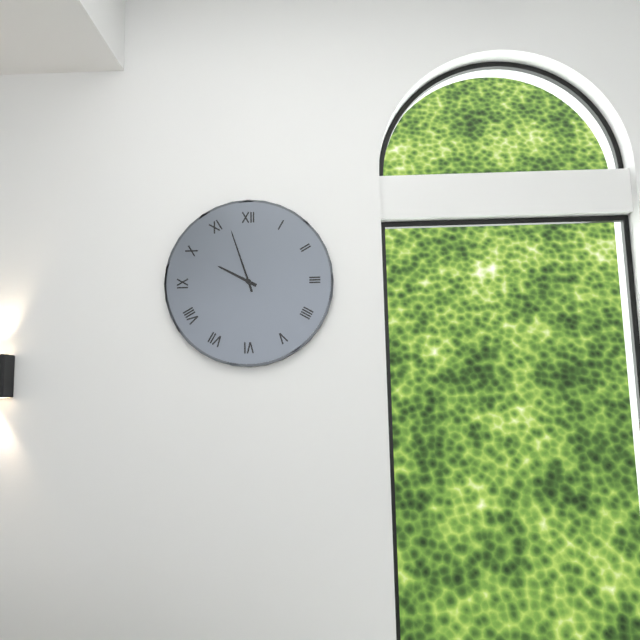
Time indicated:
**9:57**
